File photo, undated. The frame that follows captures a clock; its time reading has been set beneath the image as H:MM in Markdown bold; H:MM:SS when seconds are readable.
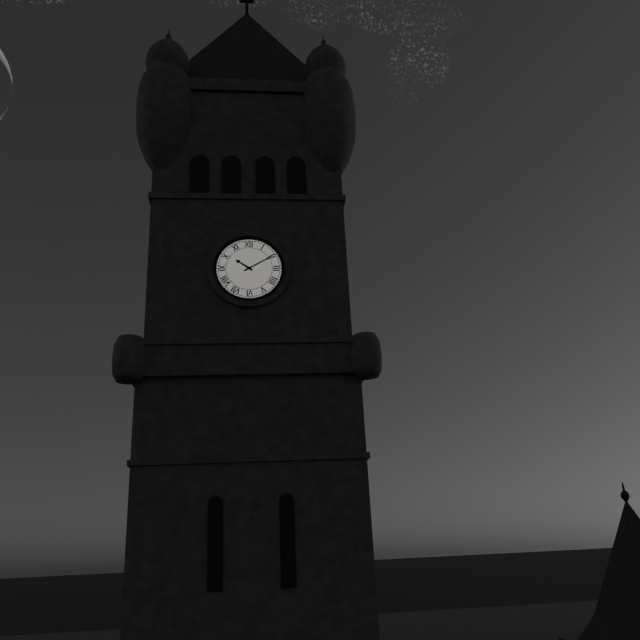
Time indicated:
**10:10**
